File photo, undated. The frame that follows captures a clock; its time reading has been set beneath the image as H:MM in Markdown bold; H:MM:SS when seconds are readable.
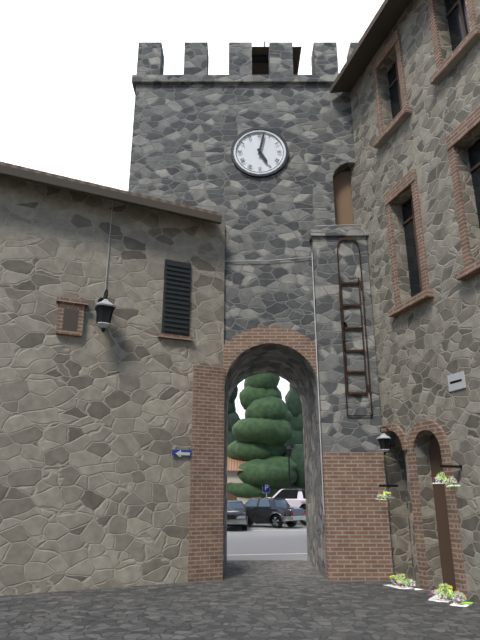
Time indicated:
**5:02**
